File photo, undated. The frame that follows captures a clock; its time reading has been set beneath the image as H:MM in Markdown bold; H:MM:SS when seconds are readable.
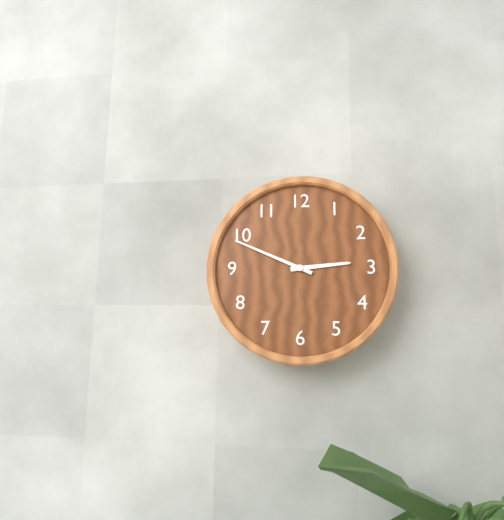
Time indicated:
**2:49**
